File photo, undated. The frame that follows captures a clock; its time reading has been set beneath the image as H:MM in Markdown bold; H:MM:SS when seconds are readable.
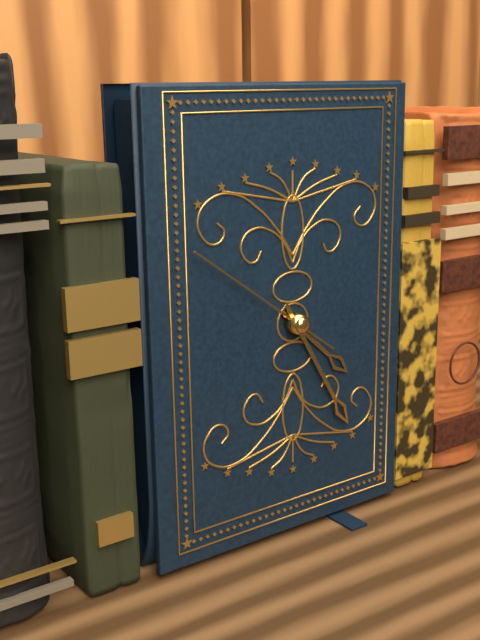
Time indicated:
**4:25:51**
